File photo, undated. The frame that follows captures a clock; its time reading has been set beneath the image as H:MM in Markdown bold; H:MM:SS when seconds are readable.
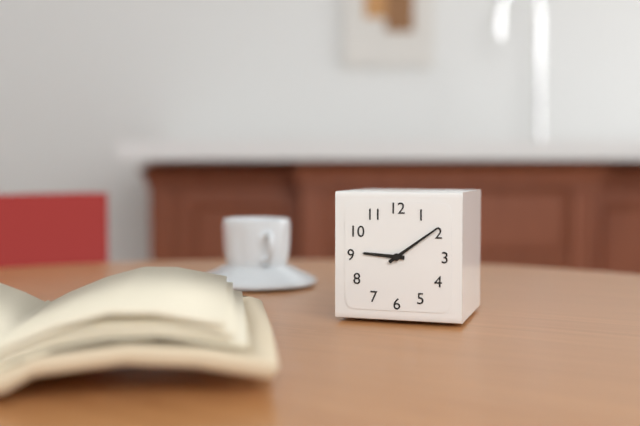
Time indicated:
**9:09**
